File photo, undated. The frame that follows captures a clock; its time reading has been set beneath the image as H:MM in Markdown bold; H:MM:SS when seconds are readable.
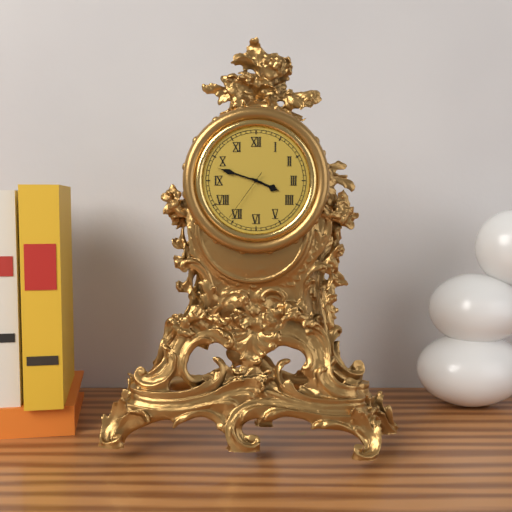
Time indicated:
**3:48:36**
